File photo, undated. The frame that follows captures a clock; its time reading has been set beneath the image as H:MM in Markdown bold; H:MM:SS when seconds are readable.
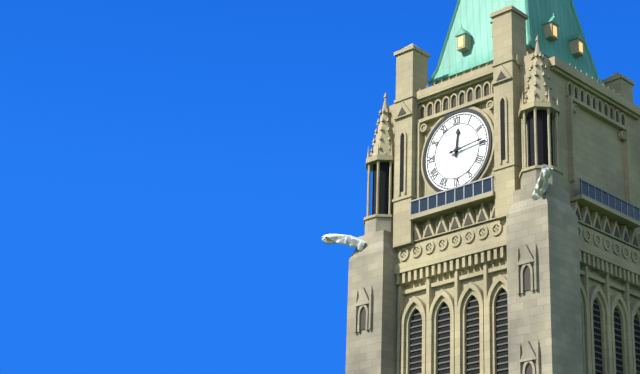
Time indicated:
**12:14**
